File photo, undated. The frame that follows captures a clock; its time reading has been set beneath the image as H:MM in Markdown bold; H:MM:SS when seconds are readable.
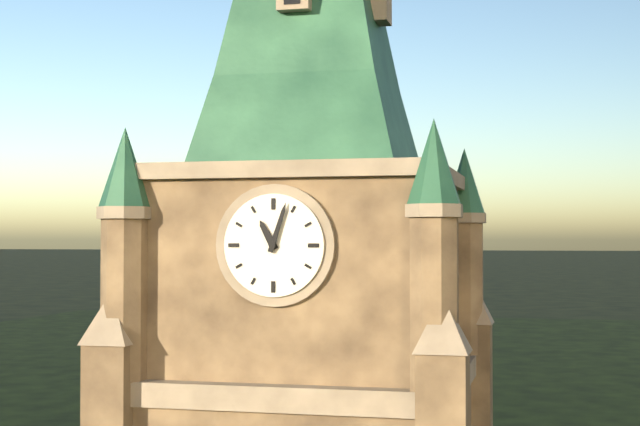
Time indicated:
**11:03**
